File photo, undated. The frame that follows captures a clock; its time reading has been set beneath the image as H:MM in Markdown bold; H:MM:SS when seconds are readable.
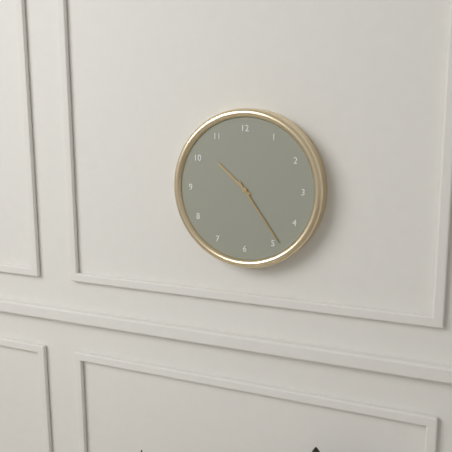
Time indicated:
**10:24**
